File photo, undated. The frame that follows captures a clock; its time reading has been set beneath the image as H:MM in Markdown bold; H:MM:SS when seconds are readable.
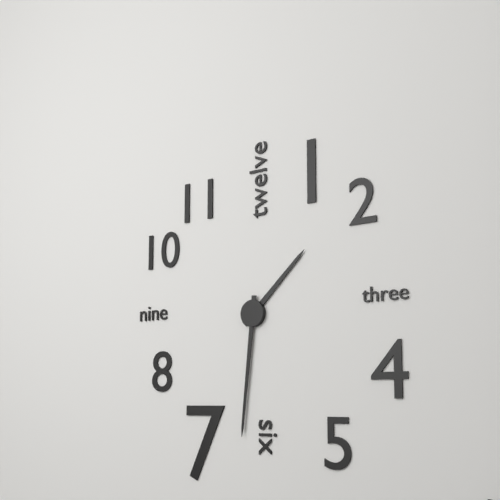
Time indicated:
**1:31**
